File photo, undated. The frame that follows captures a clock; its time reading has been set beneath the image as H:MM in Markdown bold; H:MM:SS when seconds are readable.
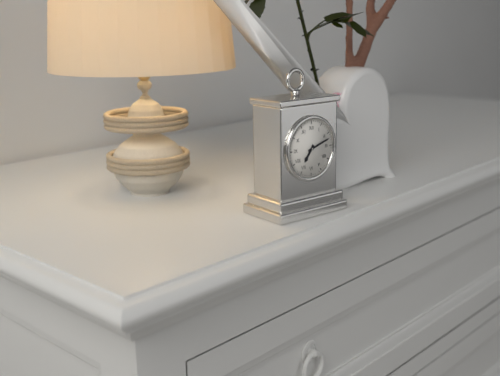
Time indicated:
**7:12**
